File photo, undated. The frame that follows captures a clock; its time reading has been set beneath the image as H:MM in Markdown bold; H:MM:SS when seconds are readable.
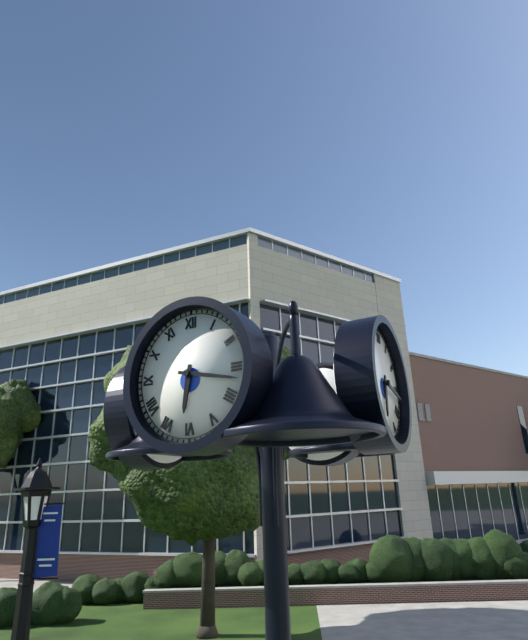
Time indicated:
**6:17**
